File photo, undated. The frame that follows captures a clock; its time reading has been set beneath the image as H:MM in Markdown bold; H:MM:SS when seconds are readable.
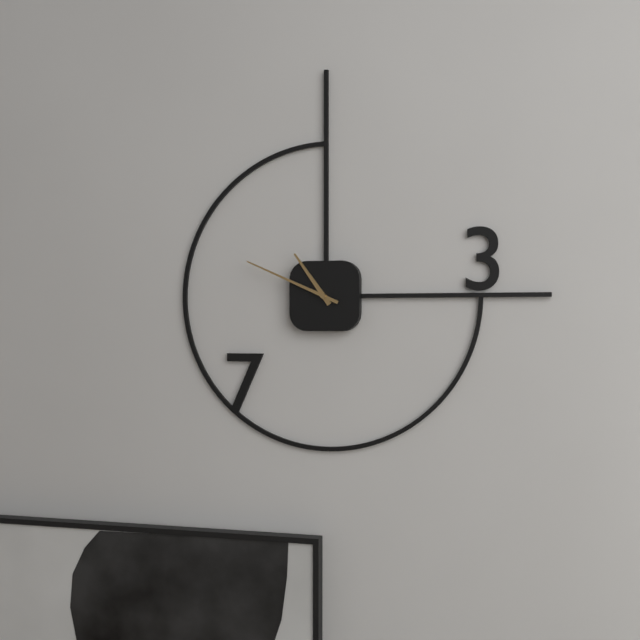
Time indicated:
**10:49**
